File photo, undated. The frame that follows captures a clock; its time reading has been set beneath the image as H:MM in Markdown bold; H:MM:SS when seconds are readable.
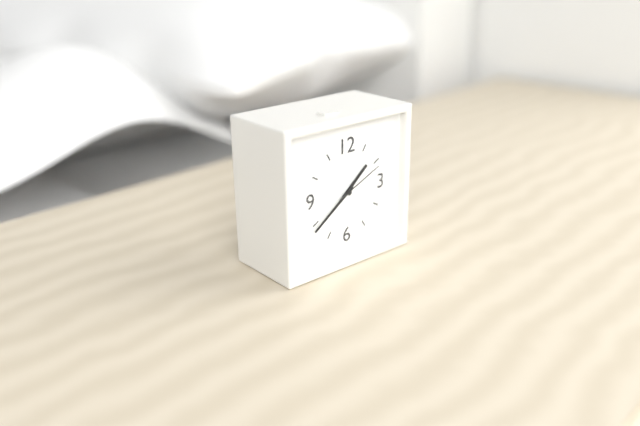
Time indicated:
**1:39:11**
